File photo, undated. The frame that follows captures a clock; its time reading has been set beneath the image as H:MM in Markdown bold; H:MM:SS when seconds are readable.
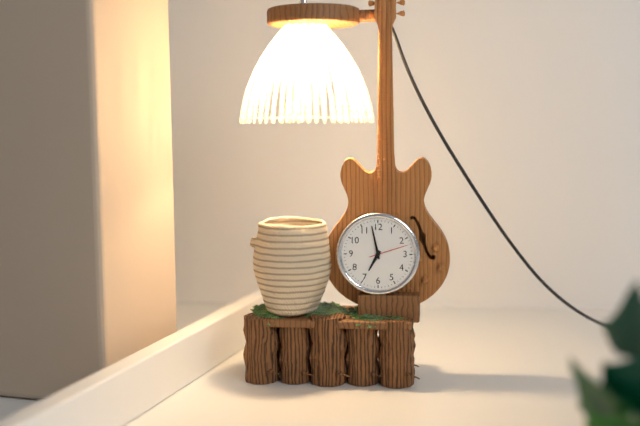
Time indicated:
**6:58**
